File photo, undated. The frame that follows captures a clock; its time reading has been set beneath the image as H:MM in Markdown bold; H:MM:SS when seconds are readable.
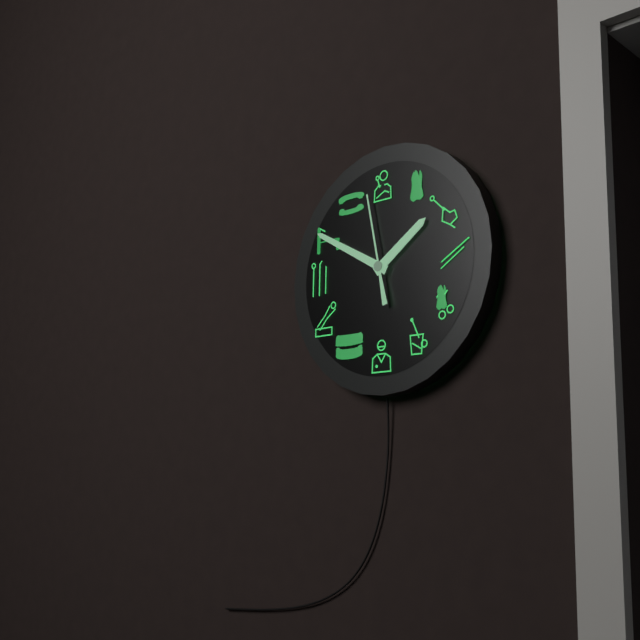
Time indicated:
**1:50:58**
